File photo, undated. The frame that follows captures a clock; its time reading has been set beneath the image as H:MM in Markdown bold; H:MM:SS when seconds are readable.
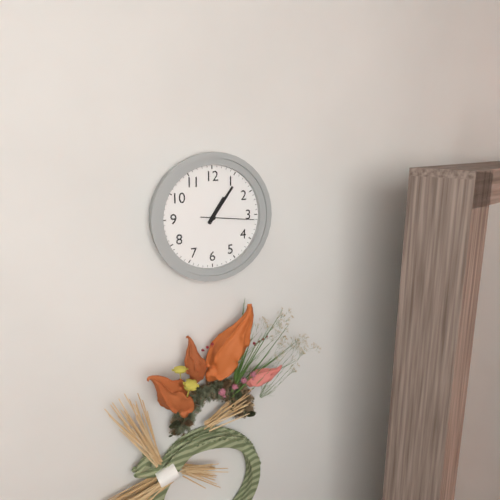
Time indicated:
**1:06:16**
